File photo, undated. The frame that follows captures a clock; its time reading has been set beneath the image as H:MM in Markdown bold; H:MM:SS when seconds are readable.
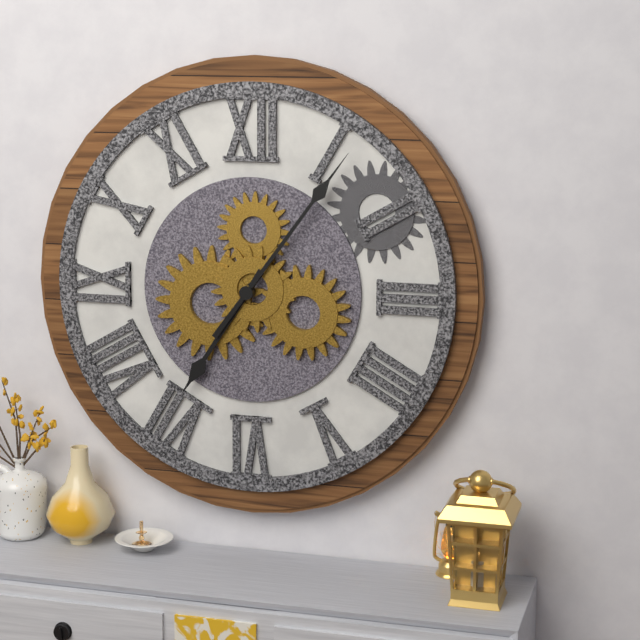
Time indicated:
**7:06**
